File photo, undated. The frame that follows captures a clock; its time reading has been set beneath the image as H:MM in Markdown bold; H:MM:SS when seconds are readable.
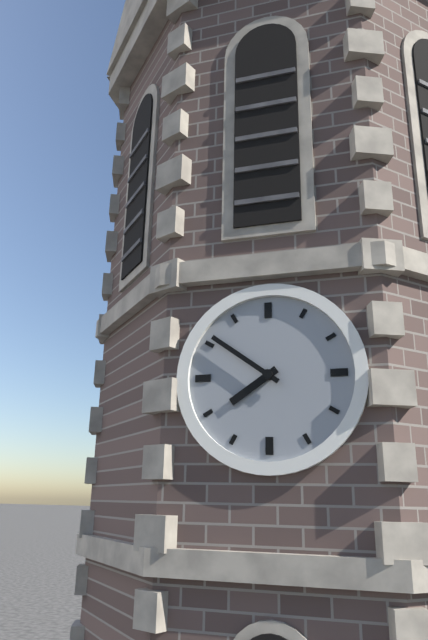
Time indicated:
**7:51**
